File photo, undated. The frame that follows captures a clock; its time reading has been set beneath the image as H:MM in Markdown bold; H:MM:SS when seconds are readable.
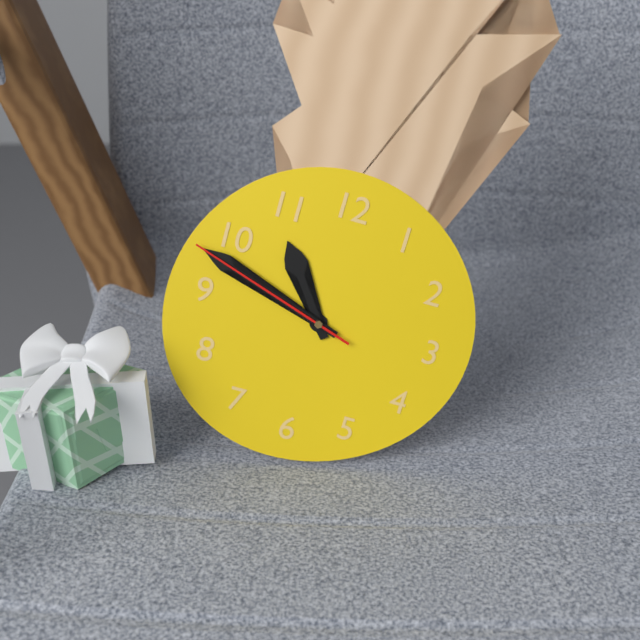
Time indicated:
**10:48:48**
